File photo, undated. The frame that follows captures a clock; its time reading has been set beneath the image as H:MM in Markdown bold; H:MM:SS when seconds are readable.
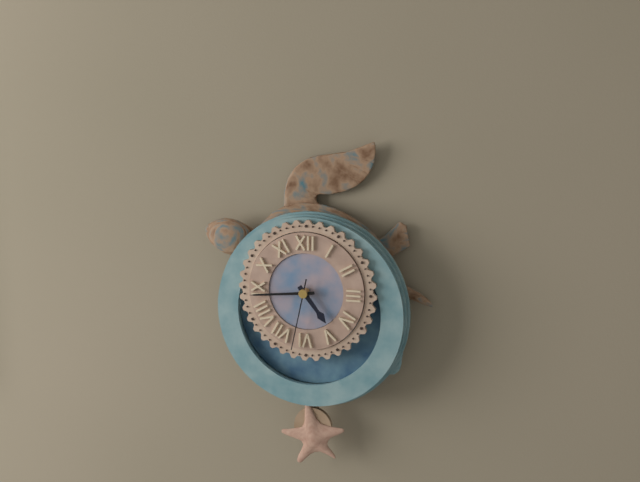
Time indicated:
**4:44:32**
